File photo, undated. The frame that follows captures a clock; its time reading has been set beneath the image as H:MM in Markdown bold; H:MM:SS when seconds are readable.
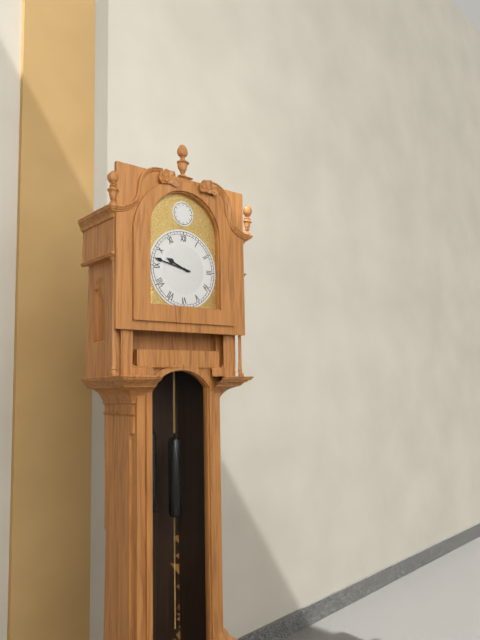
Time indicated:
**9:47**
